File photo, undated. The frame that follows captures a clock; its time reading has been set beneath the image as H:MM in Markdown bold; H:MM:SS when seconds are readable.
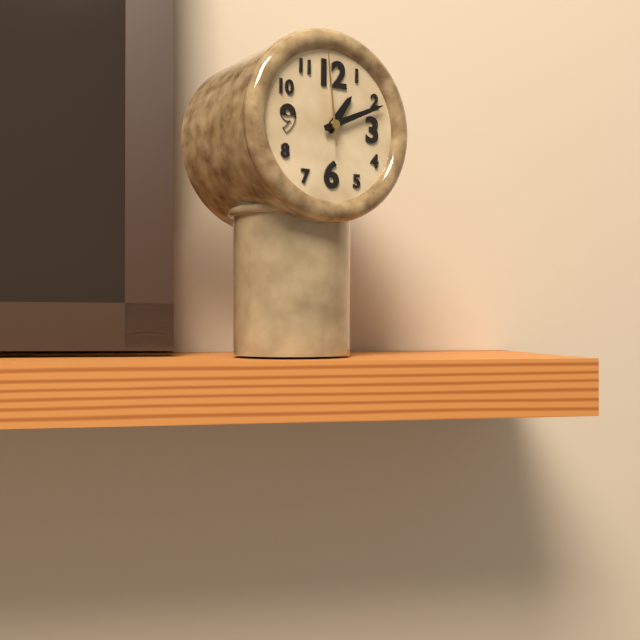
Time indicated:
**1:11:59**
